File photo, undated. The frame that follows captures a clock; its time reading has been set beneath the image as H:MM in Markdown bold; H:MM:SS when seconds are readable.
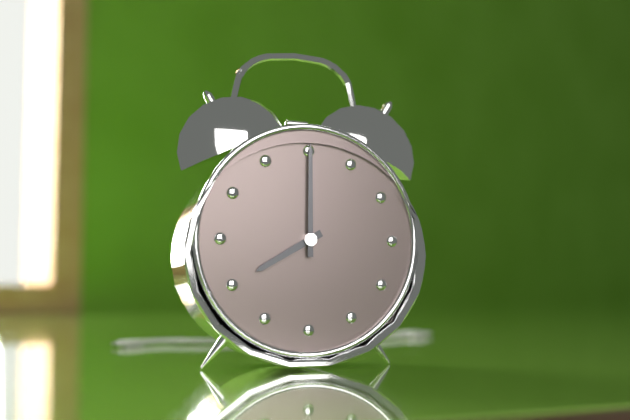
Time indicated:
**8:00**
